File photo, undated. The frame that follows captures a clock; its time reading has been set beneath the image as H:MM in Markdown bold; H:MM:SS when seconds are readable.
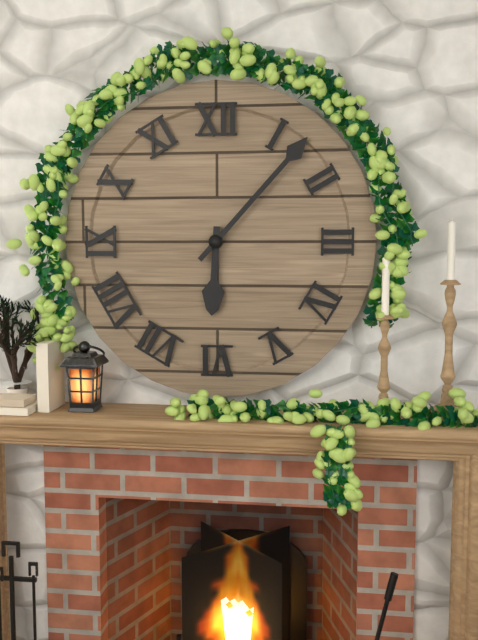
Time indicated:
**6:07**
